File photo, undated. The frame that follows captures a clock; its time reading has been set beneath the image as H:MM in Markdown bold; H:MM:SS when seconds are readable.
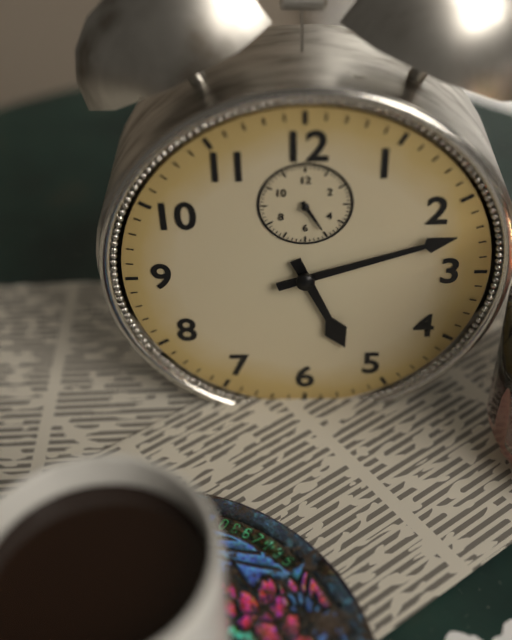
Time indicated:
**5:12**
